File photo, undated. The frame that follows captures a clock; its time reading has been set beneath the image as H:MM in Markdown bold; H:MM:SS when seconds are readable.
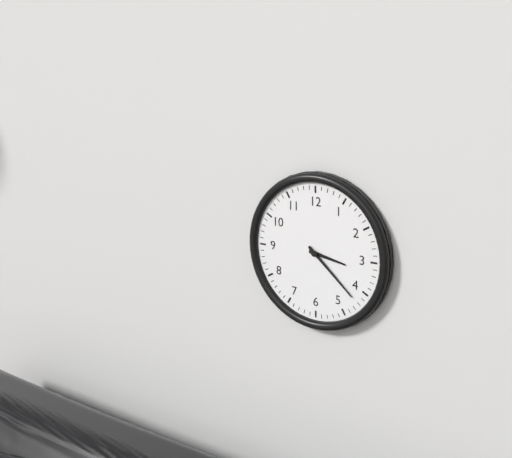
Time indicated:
**3:22**
